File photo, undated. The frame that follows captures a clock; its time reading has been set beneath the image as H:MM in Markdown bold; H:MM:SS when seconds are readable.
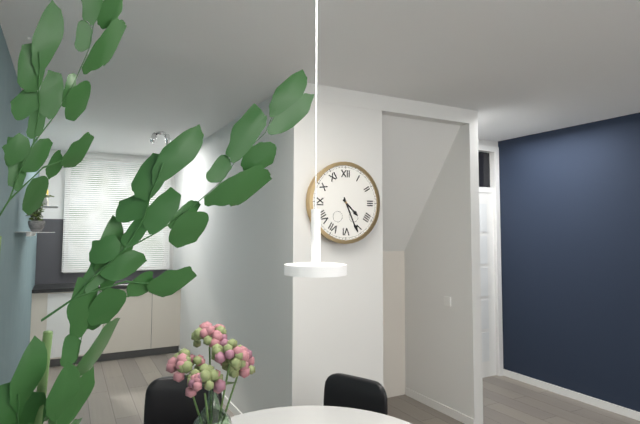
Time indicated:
**4:26**
